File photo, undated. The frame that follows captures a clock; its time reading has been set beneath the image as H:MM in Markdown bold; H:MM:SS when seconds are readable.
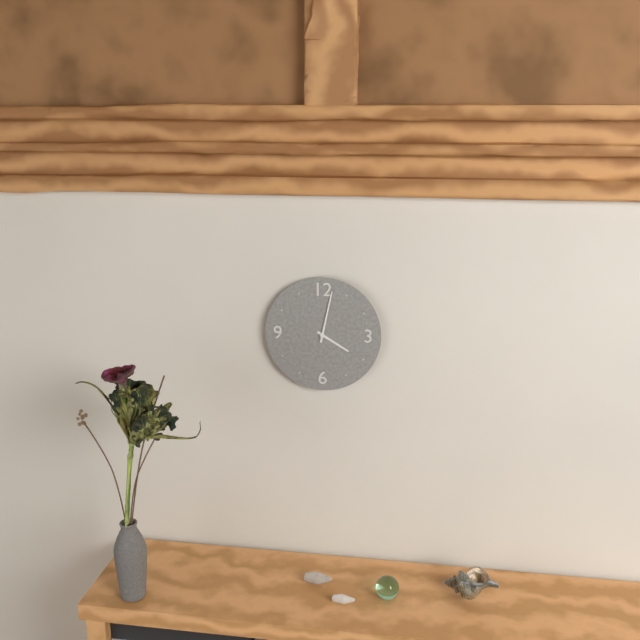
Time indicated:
**4:02**
